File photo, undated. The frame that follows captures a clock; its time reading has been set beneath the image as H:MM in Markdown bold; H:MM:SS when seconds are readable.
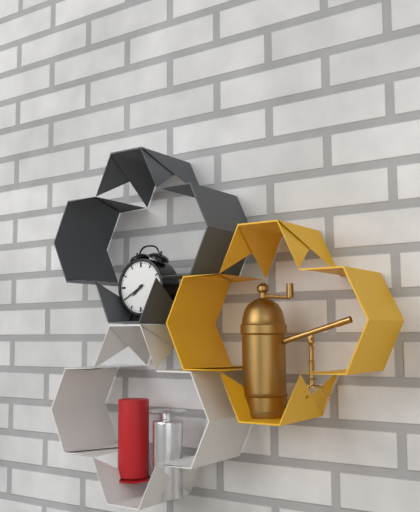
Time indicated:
**7:40**
